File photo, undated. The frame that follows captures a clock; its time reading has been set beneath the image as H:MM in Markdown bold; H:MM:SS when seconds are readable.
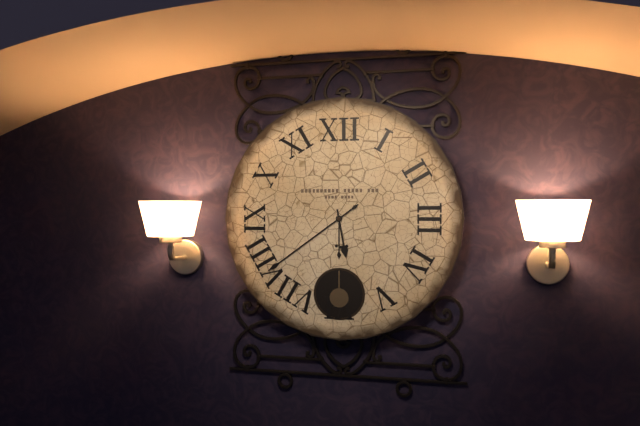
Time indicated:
**5:39**
